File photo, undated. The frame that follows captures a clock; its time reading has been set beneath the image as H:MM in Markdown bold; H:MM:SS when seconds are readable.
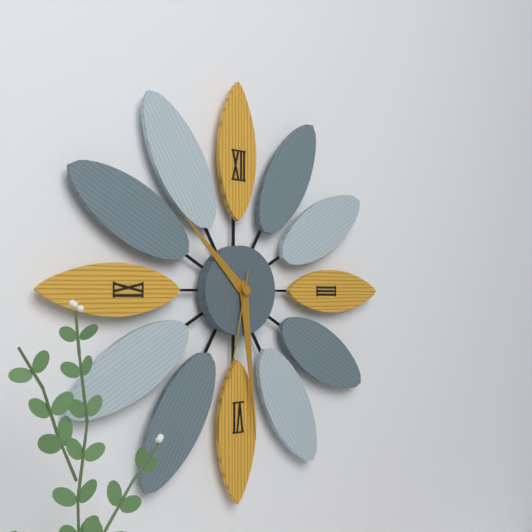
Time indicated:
**10:29:32**
